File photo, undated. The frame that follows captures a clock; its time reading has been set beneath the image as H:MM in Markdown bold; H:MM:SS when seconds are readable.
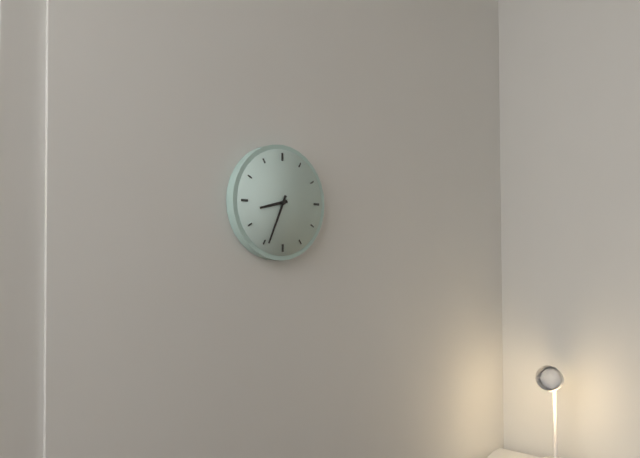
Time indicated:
**8:34**
